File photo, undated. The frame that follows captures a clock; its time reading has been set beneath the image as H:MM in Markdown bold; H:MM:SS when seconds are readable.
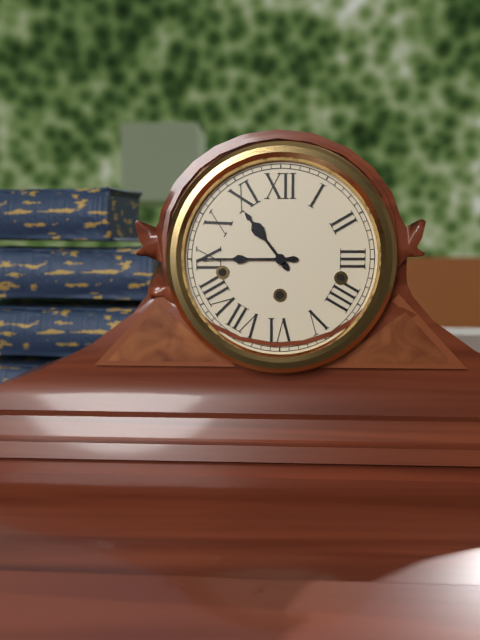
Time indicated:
**10:45**
